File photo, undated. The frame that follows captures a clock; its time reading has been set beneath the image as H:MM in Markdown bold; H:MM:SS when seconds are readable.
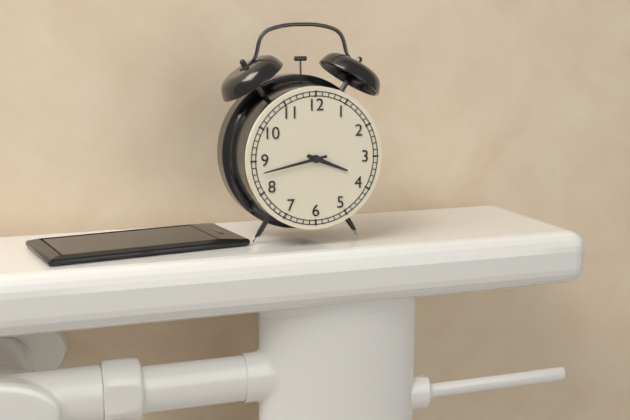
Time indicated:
**3:43**
